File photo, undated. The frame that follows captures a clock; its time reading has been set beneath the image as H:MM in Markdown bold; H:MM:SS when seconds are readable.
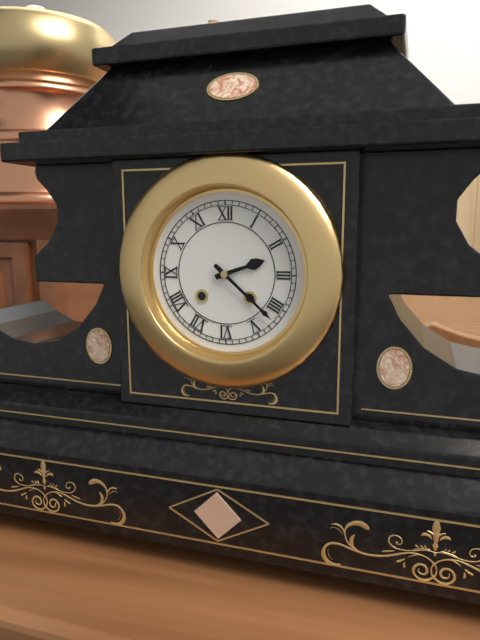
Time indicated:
**2:22**
